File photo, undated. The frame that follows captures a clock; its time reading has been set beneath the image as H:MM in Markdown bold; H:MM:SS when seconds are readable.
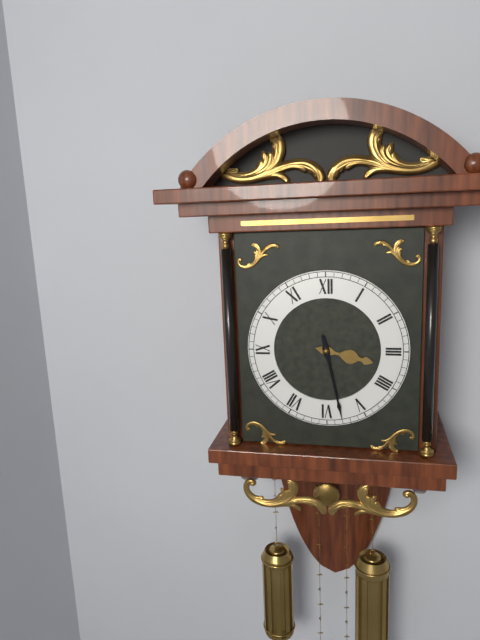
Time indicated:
**3:28**
